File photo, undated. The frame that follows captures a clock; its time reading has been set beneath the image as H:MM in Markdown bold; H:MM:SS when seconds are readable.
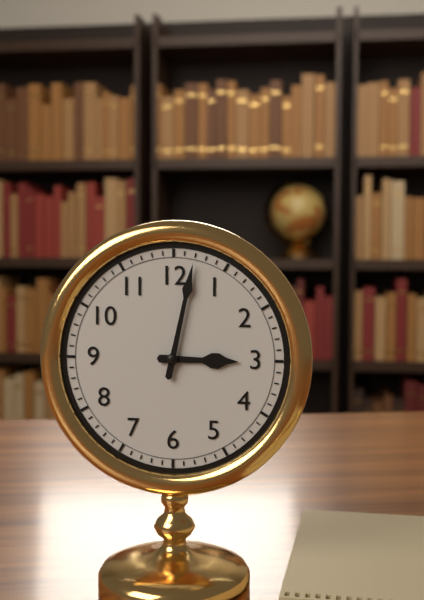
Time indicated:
**3:02**
